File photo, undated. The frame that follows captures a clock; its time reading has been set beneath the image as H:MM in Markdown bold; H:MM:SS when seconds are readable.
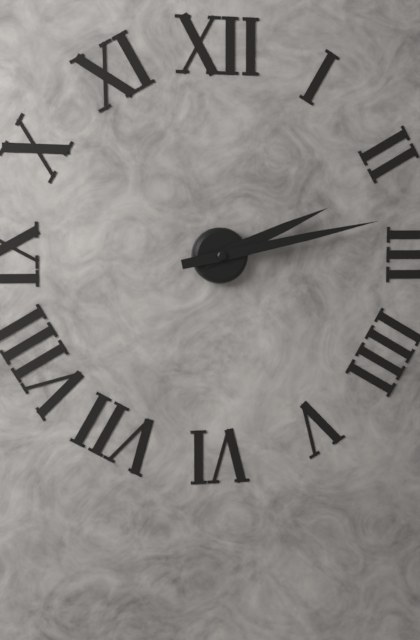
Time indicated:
**2:13**
